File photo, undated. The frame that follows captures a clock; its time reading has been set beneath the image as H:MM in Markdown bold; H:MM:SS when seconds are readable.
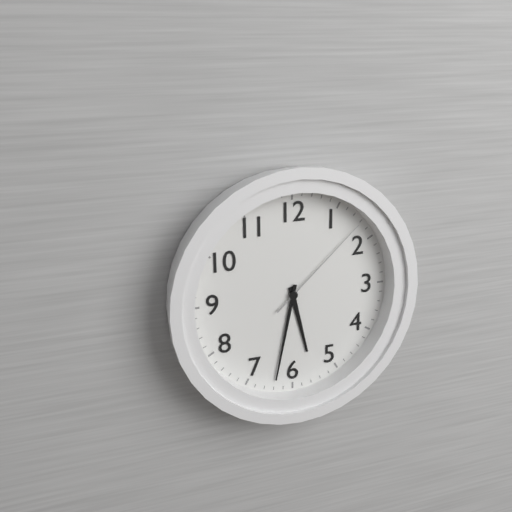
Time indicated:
**5:32:08**
